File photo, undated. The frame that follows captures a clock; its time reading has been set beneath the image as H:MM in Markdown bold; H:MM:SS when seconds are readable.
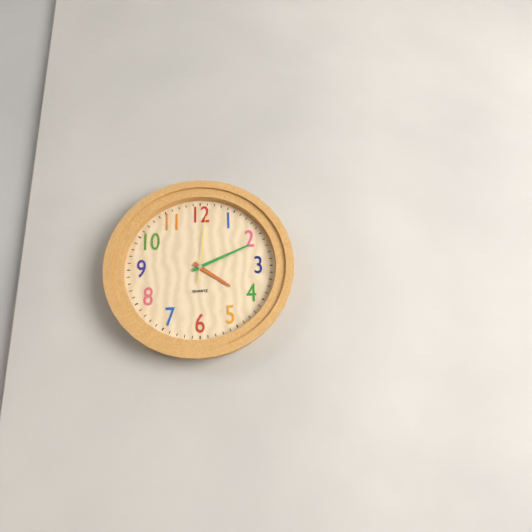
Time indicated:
**4:11:01**
